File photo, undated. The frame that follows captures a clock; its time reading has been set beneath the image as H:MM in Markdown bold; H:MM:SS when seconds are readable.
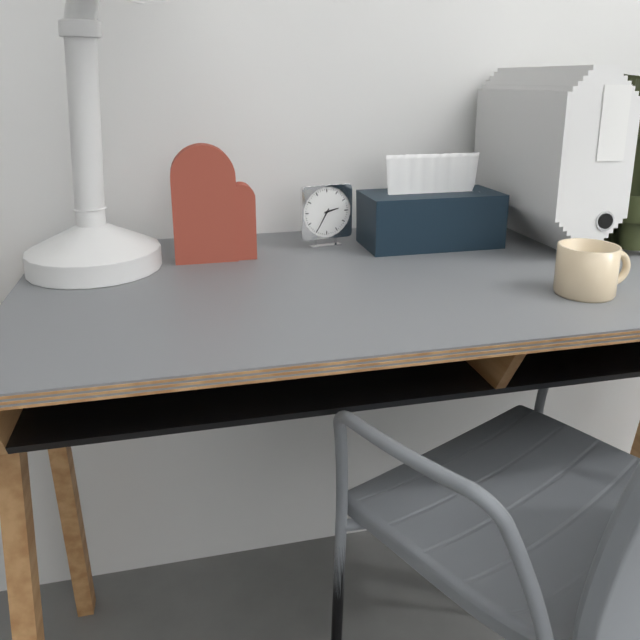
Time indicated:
**2:35**
